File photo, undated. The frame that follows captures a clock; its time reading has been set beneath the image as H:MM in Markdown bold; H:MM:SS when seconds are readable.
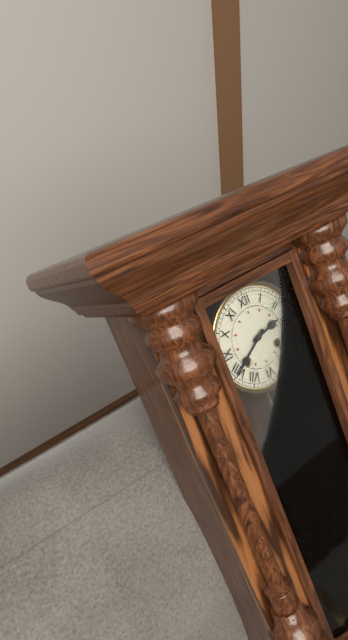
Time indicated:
**2:40**
